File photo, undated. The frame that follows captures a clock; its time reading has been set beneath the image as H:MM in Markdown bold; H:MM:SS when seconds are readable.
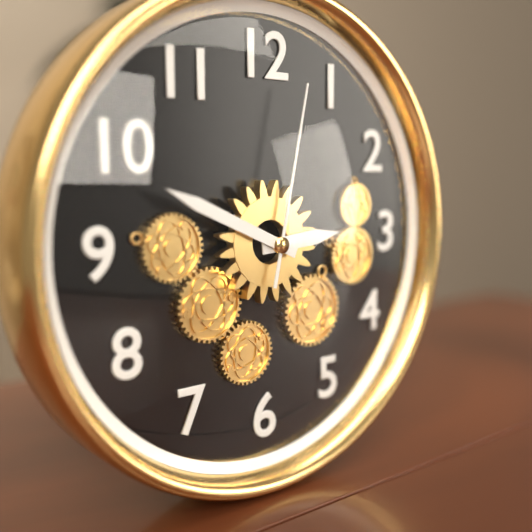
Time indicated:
**2:49:02**
